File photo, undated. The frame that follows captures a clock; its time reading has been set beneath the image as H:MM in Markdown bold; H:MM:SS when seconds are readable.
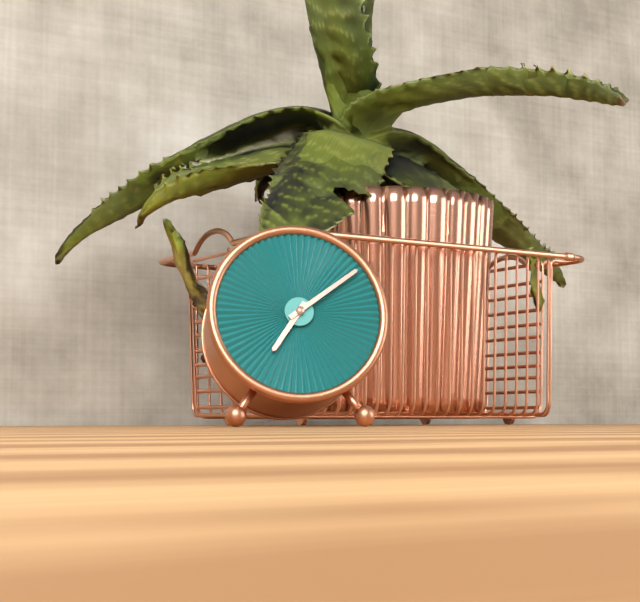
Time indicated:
**7:09**
